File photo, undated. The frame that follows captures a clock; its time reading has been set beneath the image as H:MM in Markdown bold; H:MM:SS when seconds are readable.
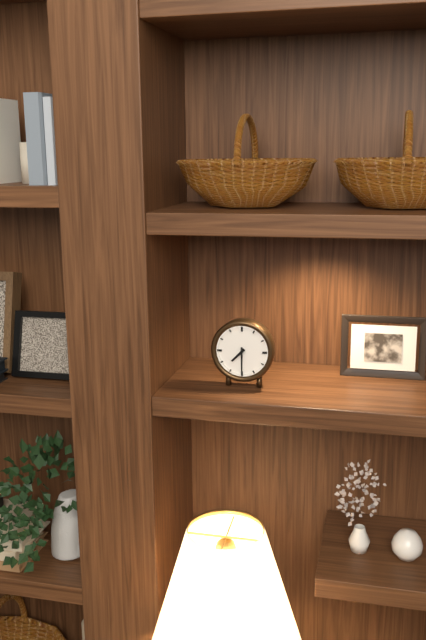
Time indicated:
**7:30**
